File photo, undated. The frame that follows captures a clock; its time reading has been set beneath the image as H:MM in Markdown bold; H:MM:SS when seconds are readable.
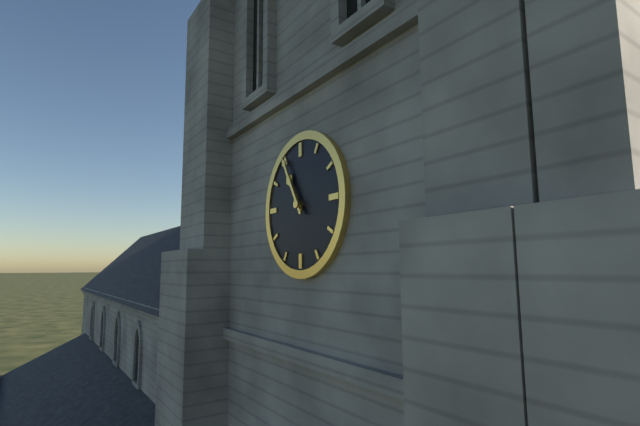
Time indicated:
**10:55**
